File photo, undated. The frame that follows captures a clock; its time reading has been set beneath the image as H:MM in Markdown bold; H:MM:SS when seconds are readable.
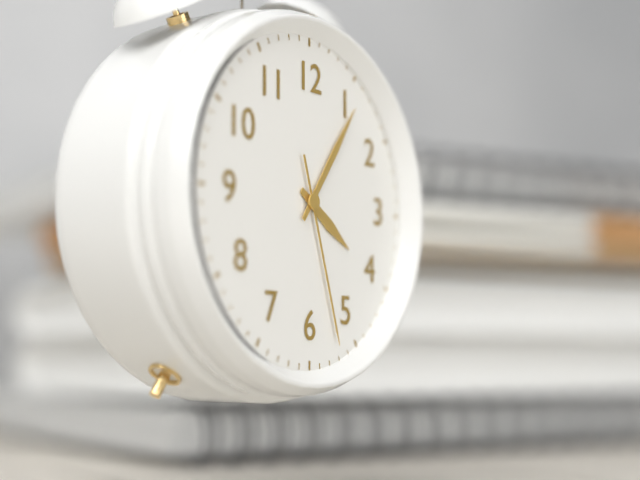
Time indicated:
**4:06:27**
